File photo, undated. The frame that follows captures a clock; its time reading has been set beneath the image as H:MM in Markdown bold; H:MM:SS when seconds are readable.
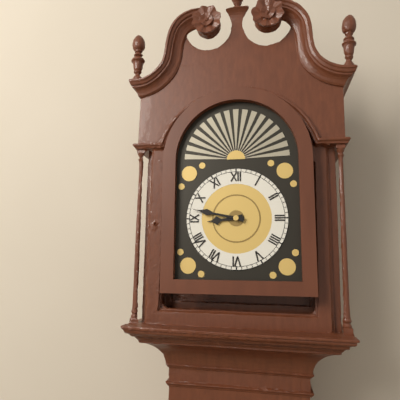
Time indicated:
**8:47**
